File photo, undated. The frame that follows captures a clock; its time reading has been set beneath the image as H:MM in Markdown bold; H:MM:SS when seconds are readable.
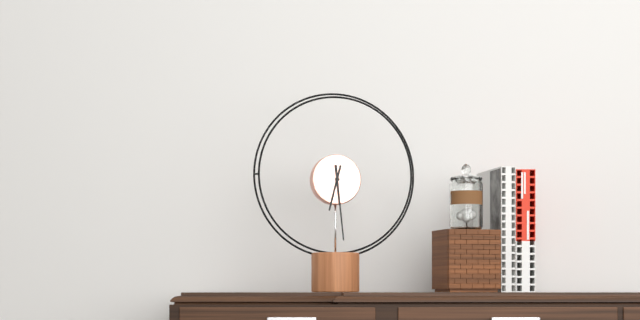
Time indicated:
**6:29**
